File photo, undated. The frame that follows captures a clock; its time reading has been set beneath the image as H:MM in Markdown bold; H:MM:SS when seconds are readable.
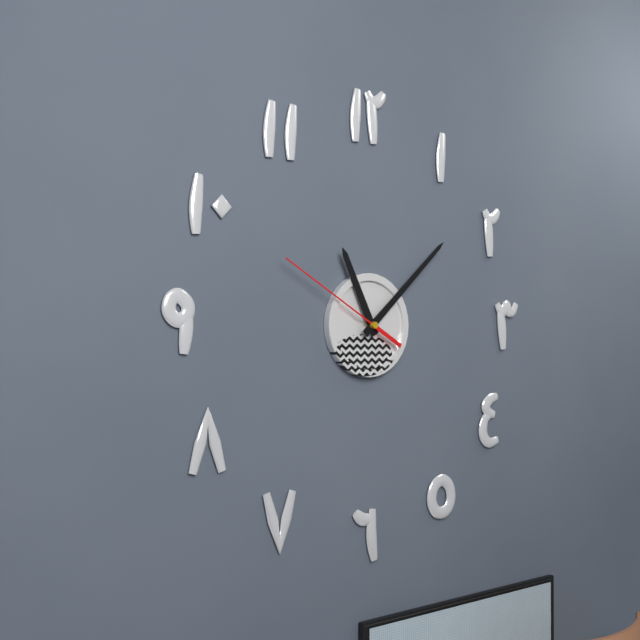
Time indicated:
**11:08:50**
